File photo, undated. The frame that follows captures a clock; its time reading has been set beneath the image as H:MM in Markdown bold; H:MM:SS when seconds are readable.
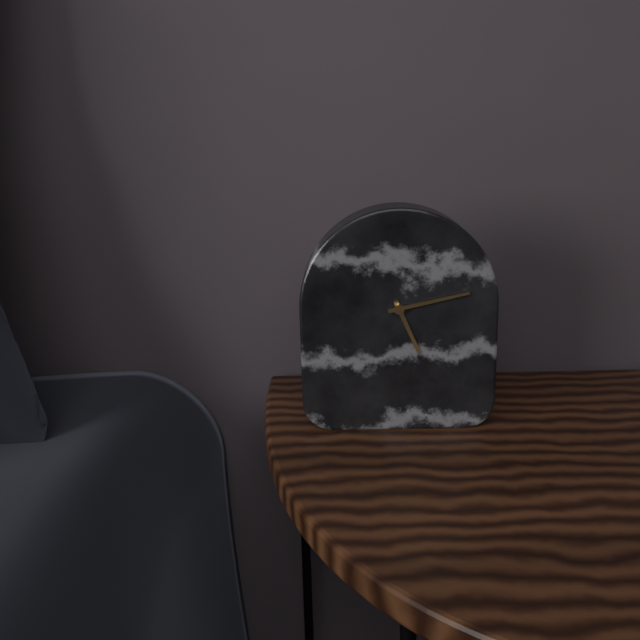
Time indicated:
**5:13**
